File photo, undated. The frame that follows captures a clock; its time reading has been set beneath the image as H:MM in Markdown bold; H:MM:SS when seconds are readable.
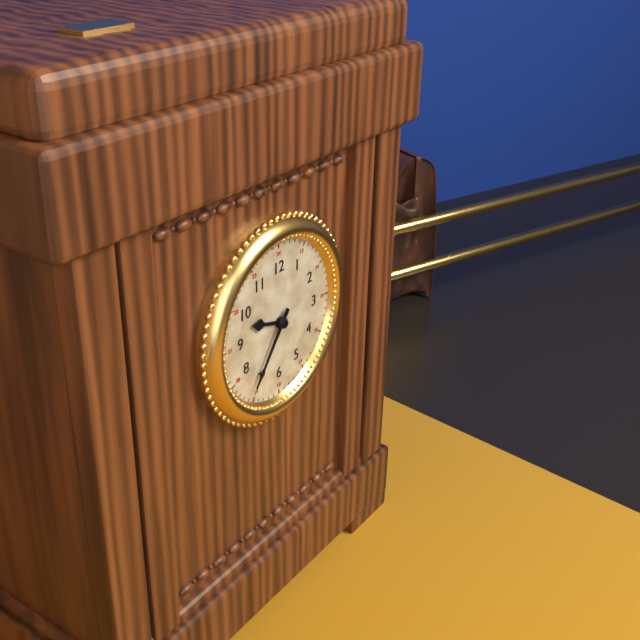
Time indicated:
**9:36**
